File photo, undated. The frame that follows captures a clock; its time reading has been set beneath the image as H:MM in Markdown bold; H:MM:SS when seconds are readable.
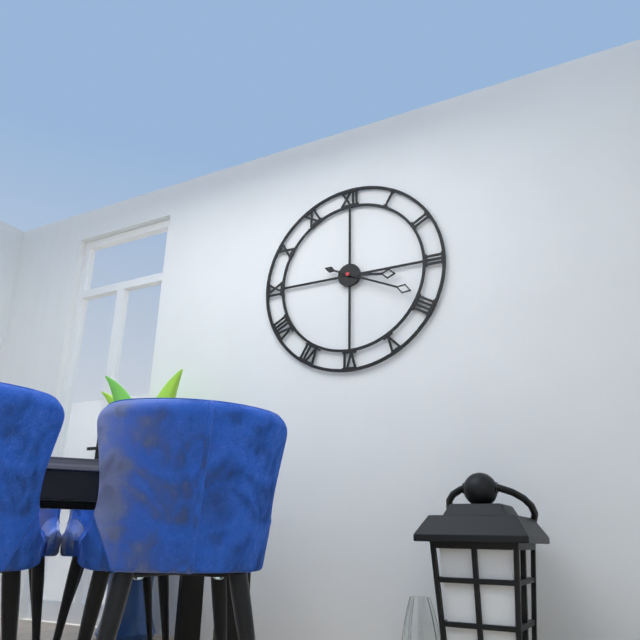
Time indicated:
**3:19**
